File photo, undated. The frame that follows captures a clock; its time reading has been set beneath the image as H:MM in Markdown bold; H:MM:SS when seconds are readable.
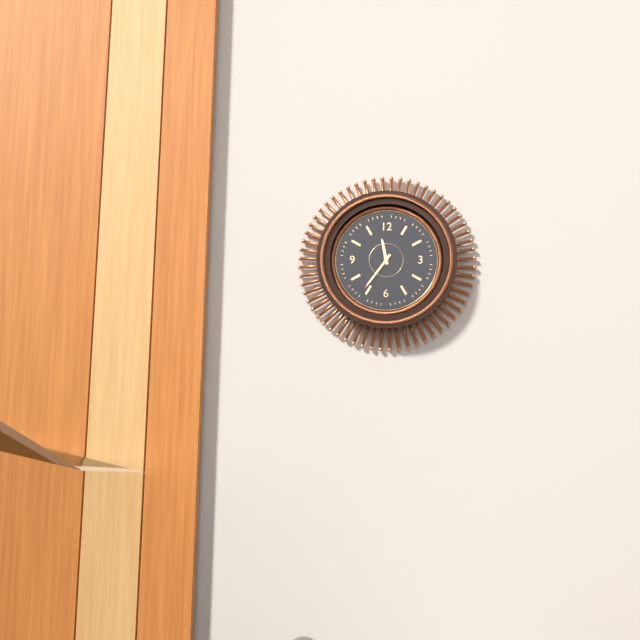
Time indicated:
**11:36**
